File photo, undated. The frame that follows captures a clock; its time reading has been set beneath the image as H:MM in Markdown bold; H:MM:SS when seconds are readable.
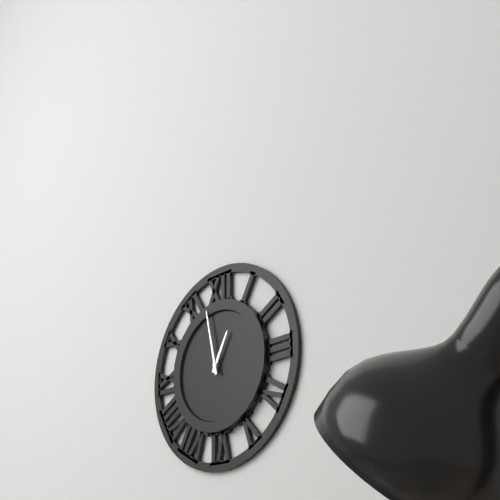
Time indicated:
**12:58**
